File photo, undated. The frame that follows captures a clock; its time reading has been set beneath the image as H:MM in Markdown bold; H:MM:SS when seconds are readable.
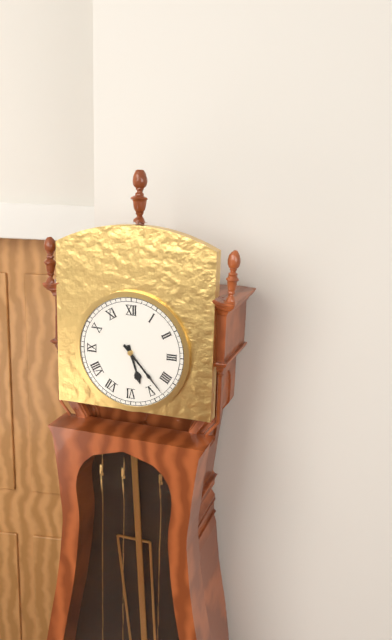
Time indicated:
**5:23**
